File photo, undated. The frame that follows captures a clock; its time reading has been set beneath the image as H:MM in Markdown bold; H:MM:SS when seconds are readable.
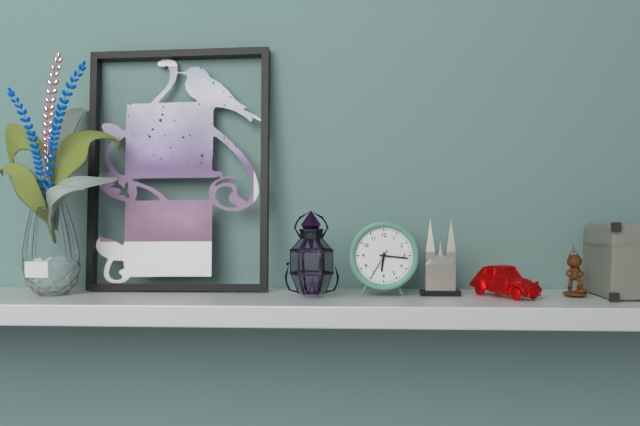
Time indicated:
**6:16**
